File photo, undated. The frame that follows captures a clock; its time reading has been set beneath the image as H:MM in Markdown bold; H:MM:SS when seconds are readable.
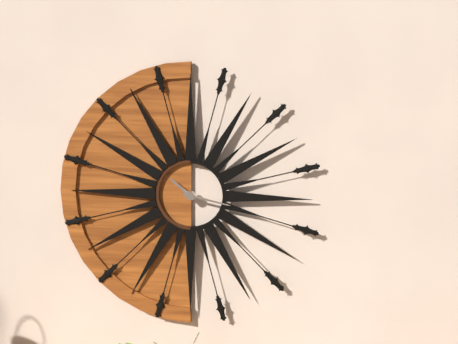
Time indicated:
**10:17**
